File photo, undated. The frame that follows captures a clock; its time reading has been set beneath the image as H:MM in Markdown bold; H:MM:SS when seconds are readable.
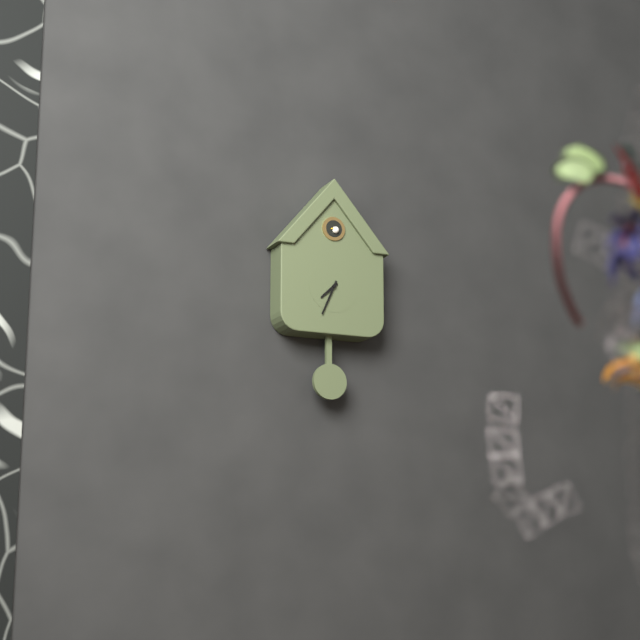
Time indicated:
**7:34**
